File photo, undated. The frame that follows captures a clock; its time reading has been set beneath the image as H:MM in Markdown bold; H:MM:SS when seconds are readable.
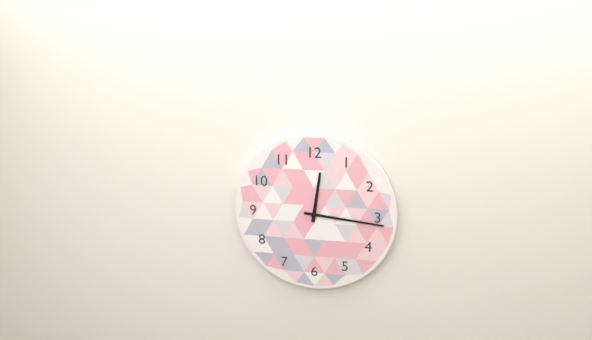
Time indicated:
**12:16**
